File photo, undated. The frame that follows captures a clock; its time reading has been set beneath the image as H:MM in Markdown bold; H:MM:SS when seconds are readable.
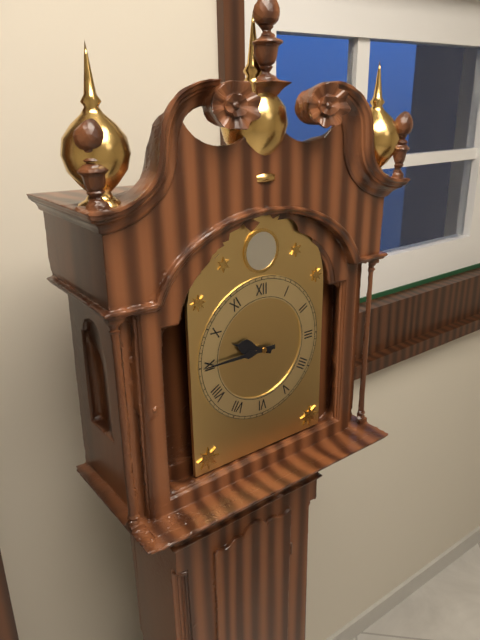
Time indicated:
**9:45**
